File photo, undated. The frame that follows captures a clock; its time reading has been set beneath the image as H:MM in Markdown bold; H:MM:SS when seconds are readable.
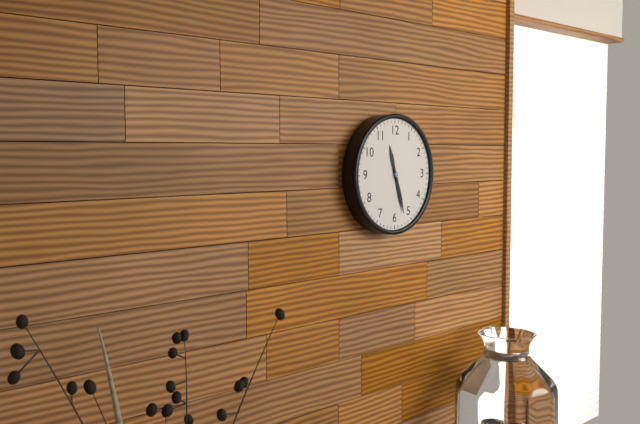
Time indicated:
**11:27**
